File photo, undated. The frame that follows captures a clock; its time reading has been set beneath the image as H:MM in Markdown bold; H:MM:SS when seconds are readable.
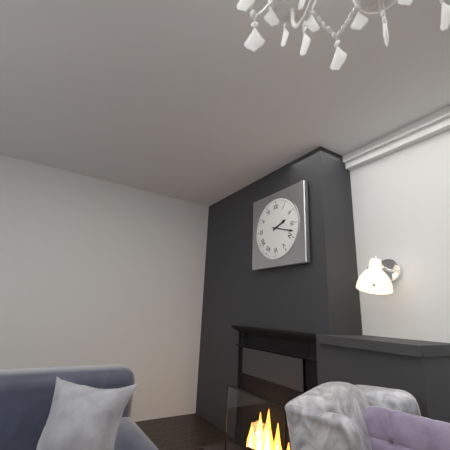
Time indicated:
**2:18**
